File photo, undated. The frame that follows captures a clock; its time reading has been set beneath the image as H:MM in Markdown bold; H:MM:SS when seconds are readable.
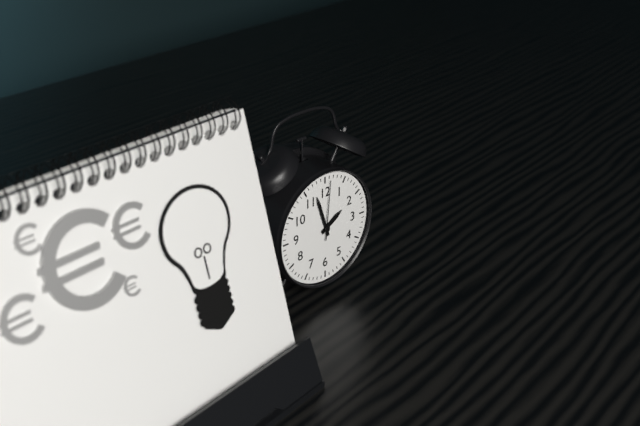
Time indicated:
**1:57:01**
